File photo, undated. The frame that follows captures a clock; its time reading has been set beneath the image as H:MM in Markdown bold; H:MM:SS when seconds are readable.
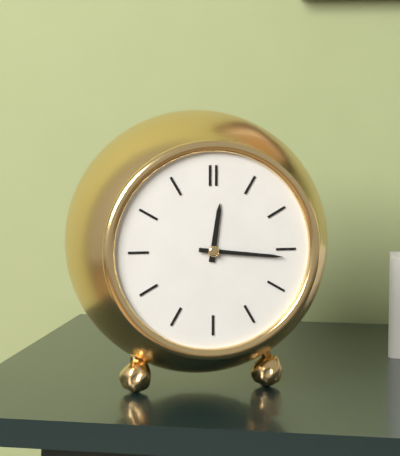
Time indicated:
**12:16**
